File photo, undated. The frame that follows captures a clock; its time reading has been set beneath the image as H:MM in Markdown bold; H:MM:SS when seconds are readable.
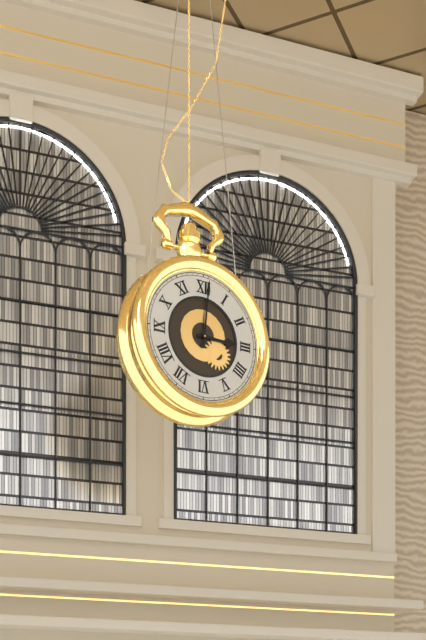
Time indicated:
**3:01**
